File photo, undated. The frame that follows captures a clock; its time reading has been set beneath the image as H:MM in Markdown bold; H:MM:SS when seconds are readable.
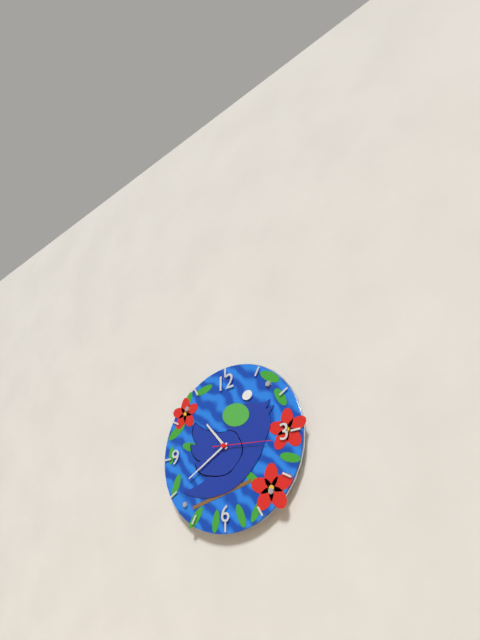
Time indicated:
**10:40:16**
